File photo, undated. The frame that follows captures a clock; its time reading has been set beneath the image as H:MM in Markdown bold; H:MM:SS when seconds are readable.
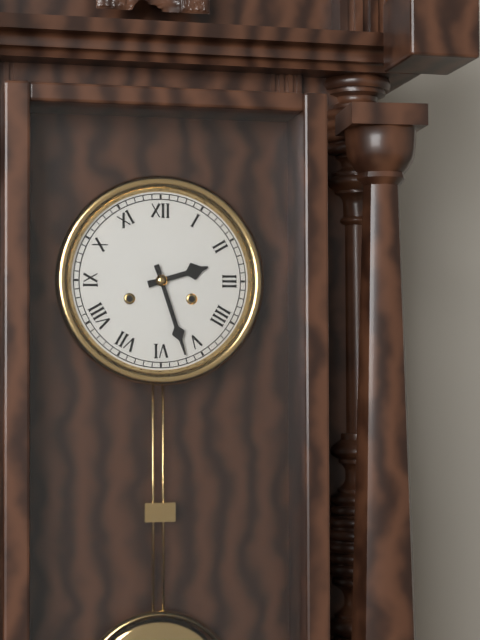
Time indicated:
**2:27**
